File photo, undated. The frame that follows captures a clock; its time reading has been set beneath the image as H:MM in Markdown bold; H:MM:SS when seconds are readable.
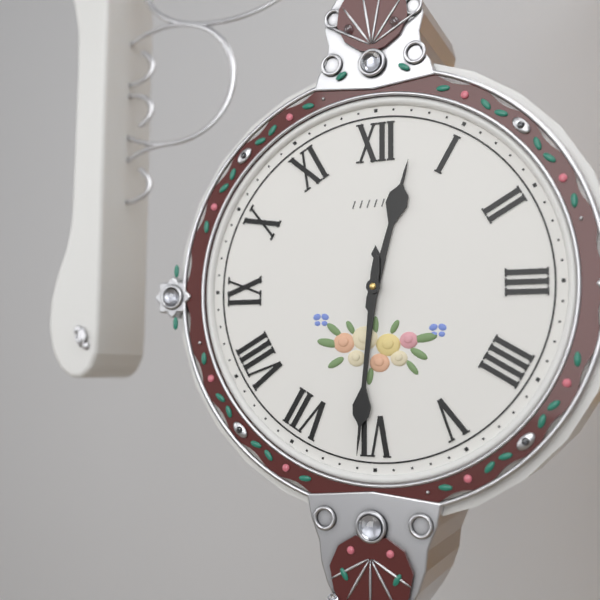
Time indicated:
**12:31**
